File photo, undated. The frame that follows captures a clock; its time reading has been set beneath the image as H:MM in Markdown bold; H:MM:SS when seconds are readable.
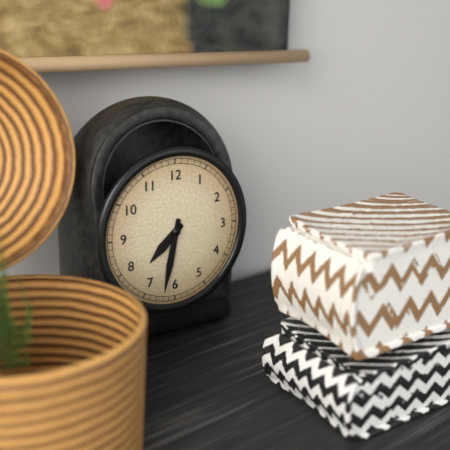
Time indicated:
**7:32**
